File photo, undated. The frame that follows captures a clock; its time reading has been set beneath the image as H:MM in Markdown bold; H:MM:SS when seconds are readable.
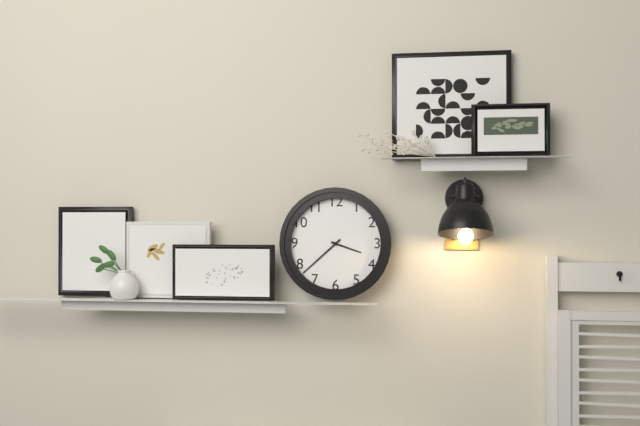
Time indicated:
**3:38**
